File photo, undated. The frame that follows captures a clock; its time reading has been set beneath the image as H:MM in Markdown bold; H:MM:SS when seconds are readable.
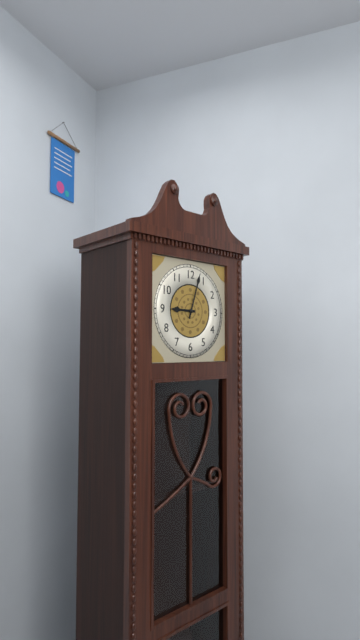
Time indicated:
**9:03**
